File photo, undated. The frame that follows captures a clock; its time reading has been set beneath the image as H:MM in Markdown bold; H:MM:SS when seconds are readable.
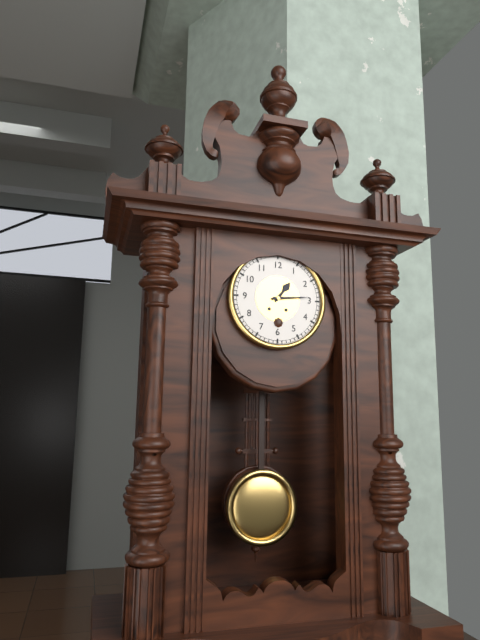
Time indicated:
**1:14**
